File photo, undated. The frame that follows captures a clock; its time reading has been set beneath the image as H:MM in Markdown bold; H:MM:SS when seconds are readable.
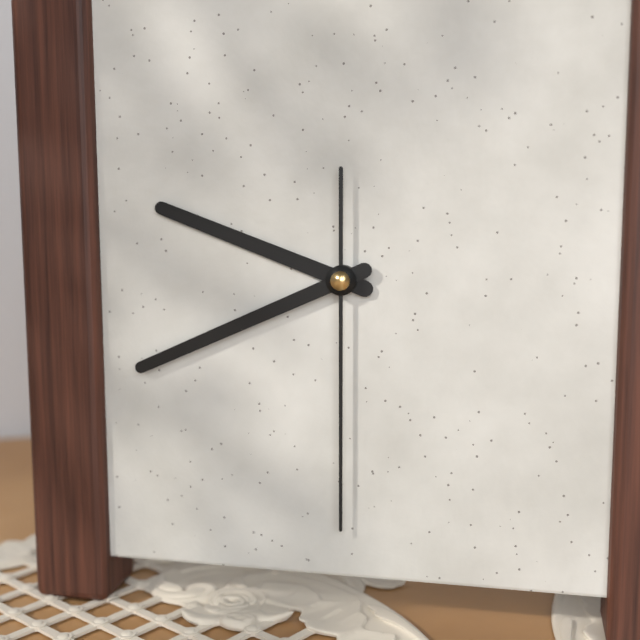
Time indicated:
**9:41:30**
